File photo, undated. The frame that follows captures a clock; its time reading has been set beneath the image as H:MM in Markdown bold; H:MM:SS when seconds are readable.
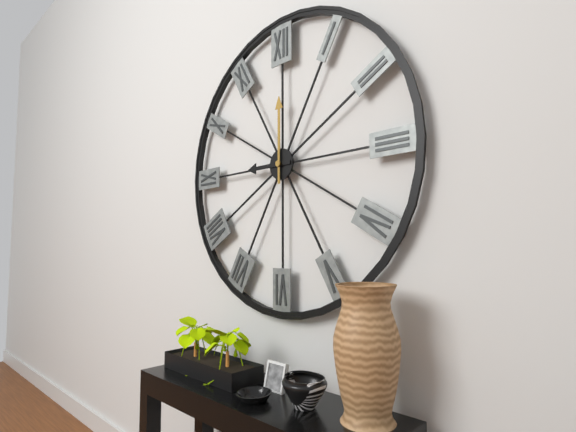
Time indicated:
**9:00**
